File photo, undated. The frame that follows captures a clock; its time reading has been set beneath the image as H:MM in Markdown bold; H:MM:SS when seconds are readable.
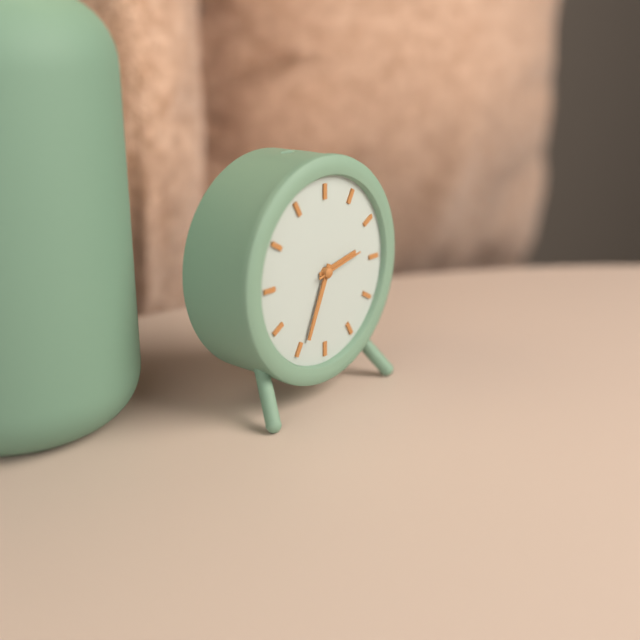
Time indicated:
**2:34**
